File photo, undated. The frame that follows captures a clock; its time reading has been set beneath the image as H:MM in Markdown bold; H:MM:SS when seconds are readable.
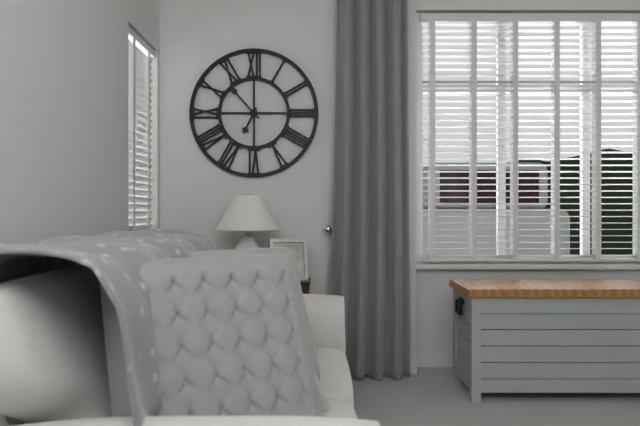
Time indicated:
**6:53**
